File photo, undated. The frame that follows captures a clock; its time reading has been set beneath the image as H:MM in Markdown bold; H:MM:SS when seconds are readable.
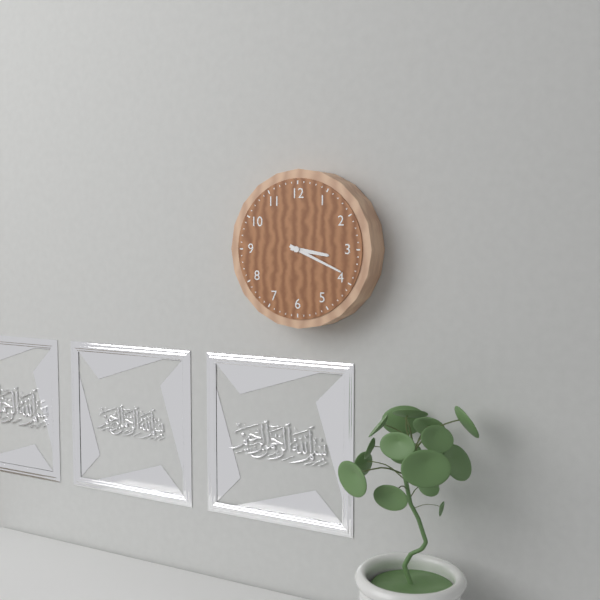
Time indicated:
**3:19**
